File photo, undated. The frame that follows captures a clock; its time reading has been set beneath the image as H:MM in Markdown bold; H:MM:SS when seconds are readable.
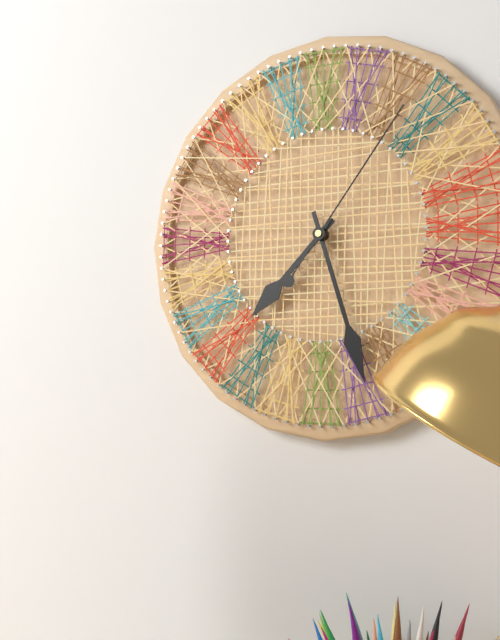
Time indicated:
**7:27:06**
